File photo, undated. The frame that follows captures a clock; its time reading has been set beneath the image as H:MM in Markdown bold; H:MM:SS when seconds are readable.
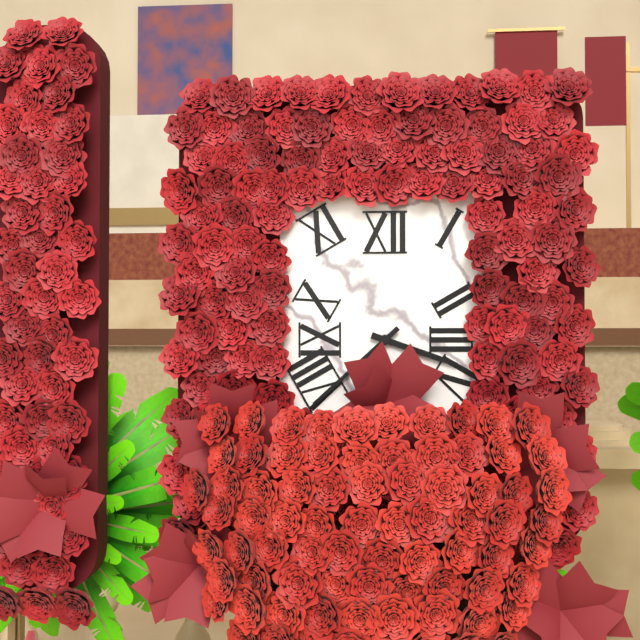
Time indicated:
**3:38**
